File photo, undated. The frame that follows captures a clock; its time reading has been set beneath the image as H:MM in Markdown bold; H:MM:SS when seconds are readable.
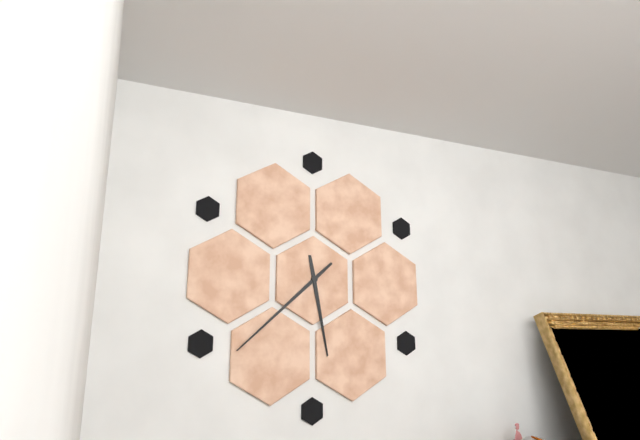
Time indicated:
**5:38**
